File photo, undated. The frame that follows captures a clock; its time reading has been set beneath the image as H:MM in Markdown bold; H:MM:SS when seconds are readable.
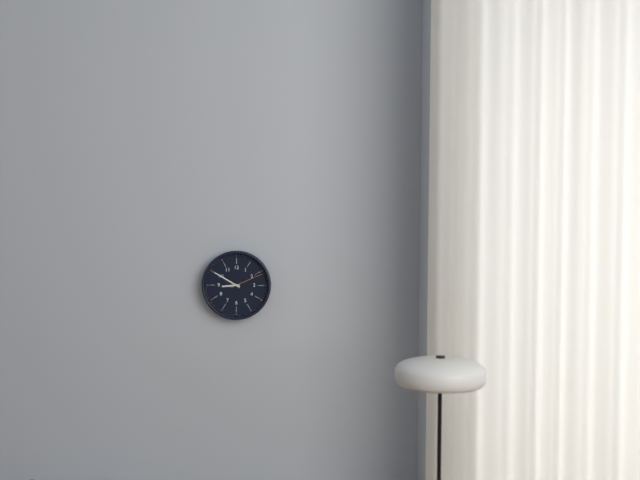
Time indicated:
**8:50**
